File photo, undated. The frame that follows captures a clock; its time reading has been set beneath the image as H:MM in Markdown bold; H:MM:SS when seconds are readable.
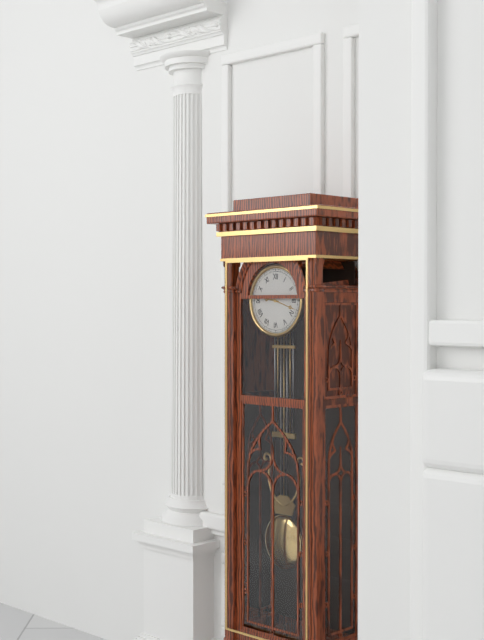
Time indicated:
**9:18**
